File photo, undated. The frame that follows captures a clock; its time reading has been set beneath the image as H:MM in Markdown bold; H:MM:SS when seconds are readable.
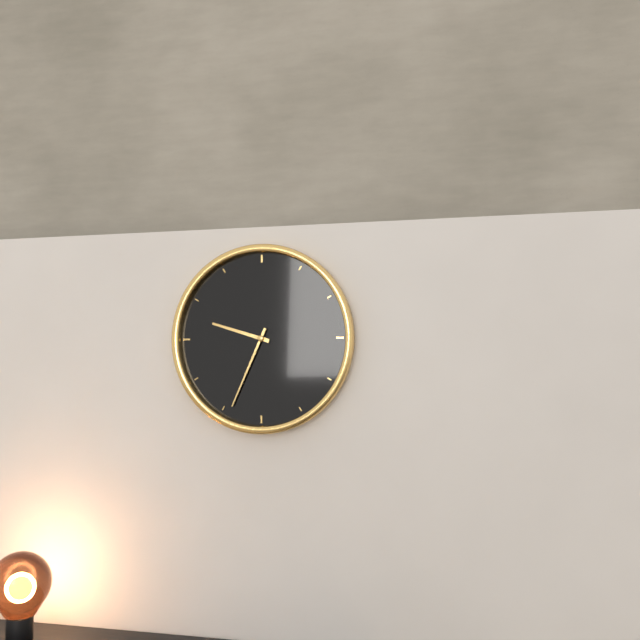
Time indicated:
**9:34**
